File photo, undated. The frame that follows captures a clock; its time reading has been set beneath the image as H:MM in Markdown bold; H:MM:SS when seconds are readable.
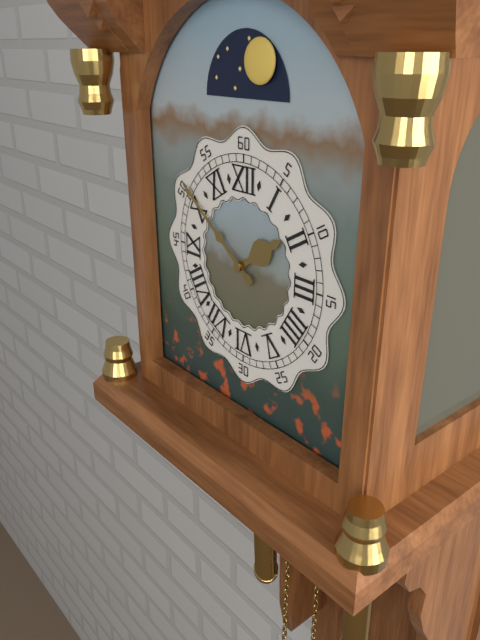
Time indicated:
**1:51**
